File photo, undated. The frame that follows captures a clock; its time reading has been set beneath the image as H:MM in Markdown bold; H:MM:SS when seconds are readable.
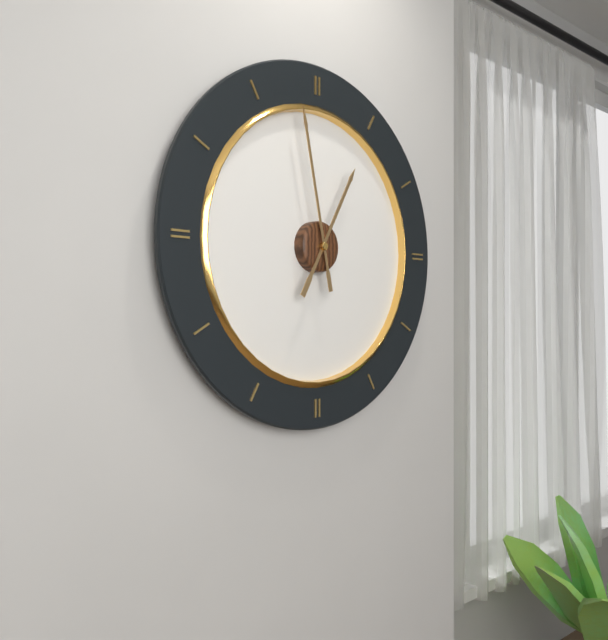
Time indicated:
**12:58**
